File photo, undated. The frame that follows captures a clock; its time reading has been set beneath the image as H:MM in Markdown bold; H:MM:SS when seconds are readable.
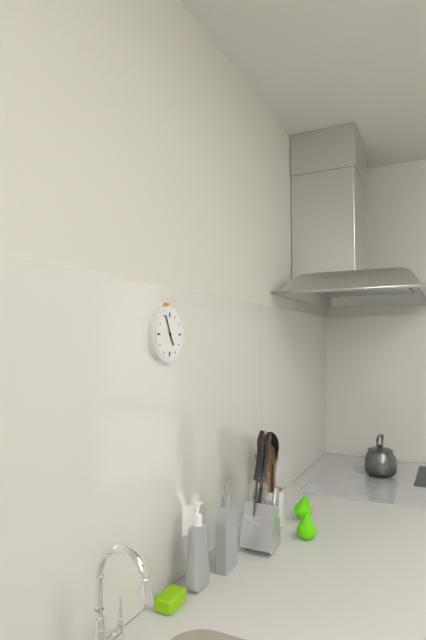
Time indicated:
**4:56**
